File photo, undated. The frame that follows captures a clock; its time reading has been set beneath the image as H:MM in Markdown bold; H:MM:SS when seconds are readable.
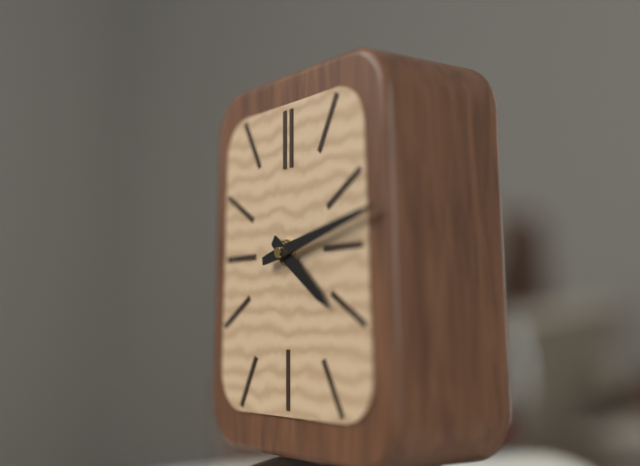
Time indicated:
**4:13**
